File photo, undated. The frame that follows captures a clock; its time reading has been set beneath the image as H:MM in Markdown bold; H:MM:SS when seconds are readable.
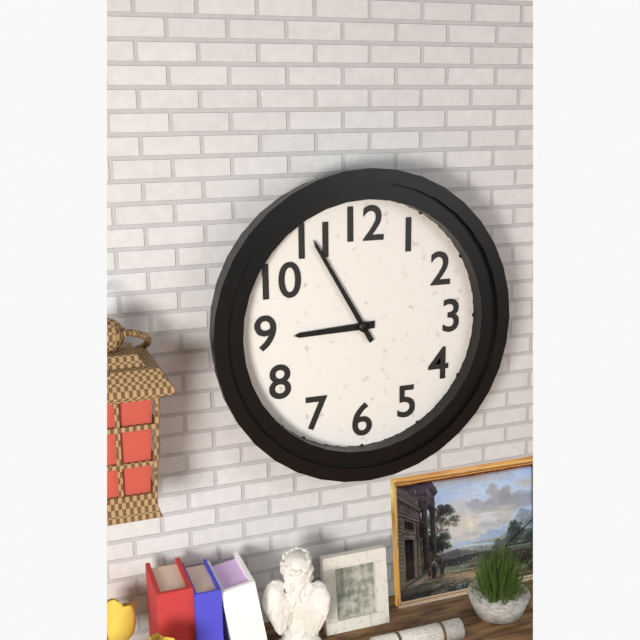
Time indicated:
**8:55**
